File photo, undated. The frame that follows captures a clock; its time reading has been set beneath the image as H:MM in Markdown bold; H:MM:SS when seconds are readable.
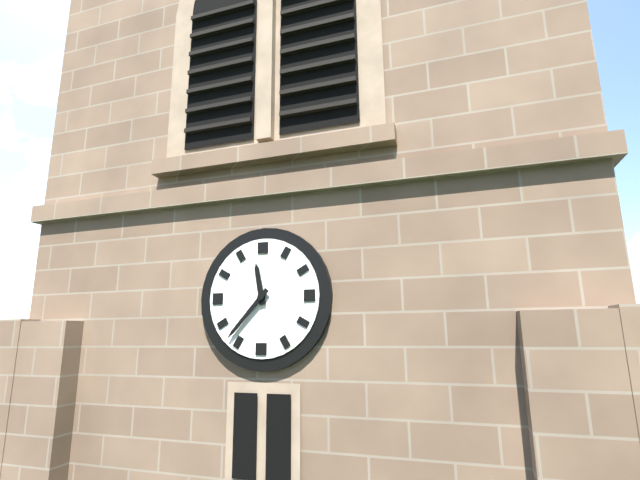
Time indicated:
**11:37**
